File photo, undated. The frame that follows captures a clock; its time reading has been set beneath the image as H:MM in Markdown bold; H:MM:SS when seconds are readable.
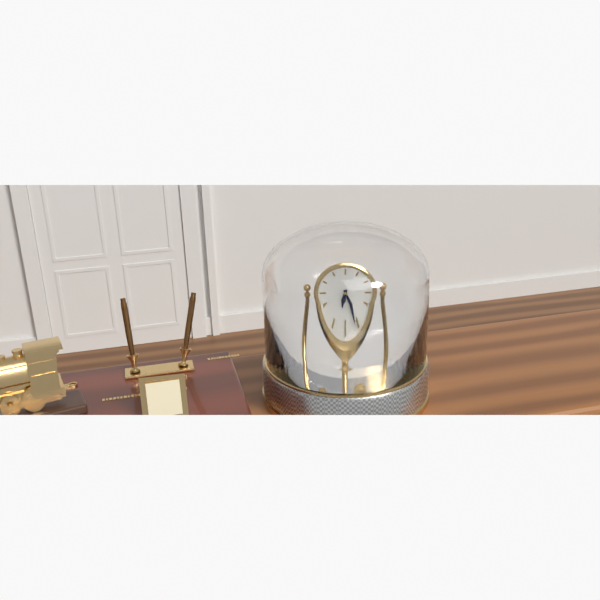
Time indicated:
**6:26**
